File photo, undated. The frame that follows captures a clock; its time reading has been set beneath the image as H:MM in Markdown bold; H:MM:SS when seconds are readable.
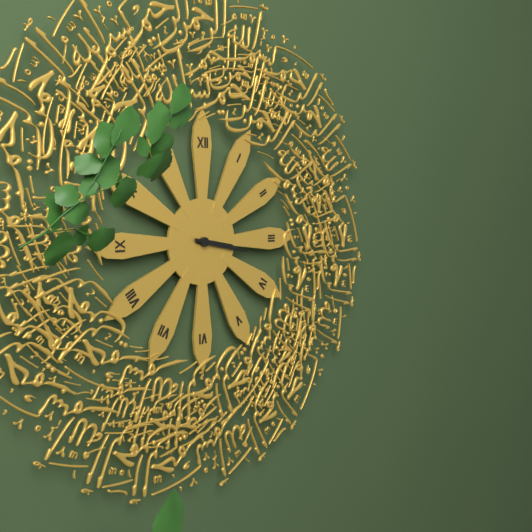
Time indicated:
**3:17**
